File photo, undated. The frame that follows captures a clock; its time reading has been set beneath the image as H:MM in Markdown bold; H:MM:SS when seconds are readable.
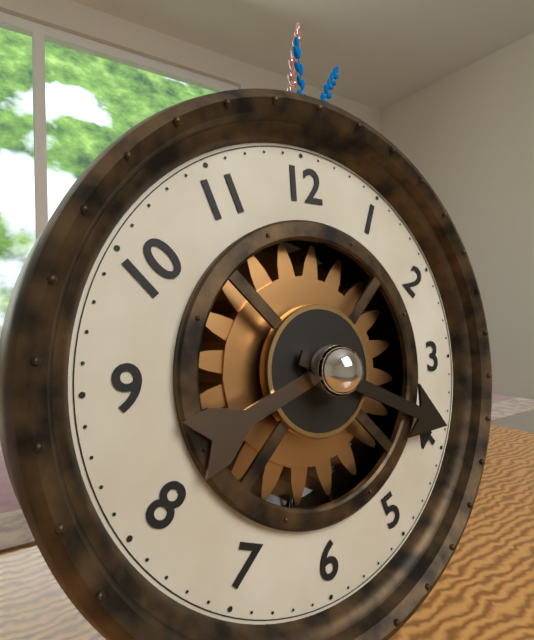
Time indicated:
**8:19**
